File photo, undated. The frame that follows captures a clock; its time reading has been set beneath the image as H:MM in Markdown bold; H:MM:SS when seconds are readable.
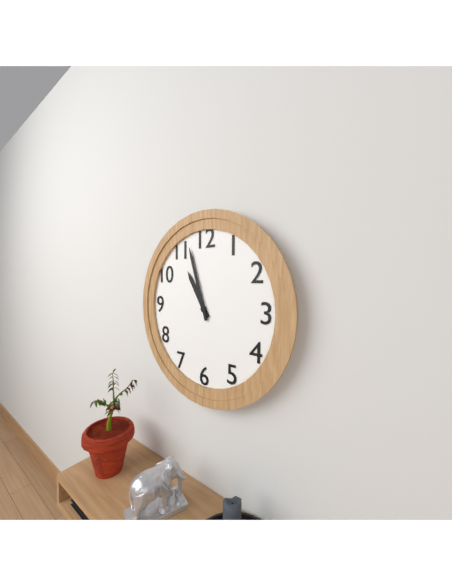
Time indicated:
**10:57**
